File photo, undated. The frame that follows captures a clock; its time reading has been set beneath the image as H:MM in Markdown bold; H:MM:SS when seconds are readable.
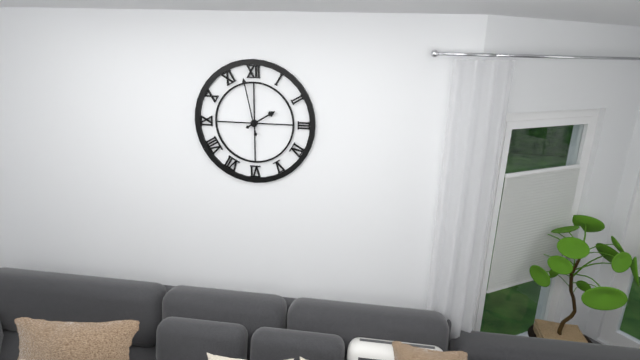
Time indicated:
**1:58**
